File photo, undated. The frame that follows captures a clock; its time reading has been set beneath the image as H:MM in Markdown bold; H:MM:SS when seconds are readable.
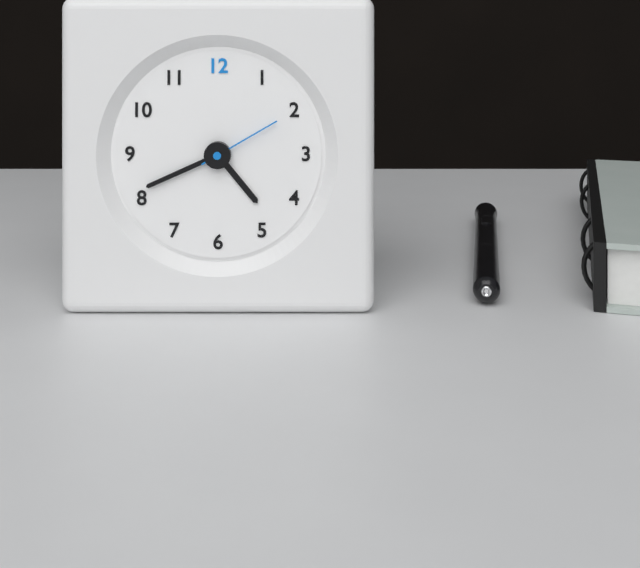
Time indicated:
**4:41:10**
